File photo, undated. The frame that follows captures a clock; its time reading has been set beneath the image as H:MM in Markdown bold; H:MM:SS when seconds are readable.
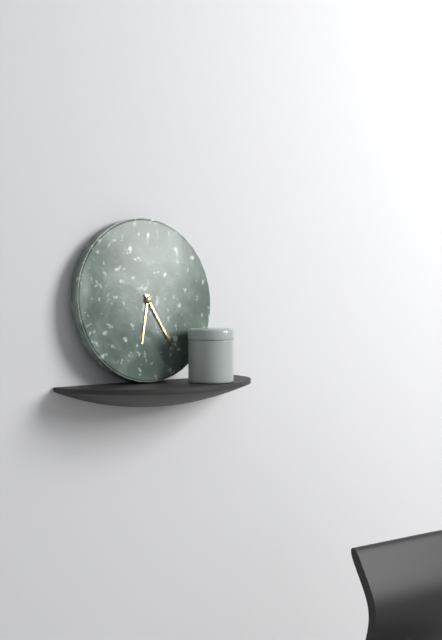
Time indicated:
**6:25**
